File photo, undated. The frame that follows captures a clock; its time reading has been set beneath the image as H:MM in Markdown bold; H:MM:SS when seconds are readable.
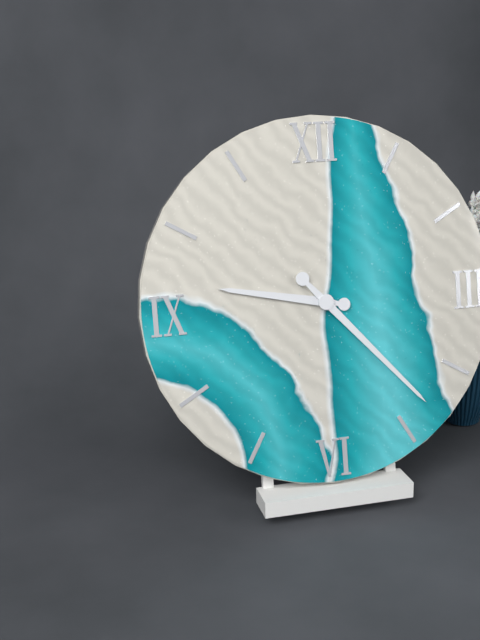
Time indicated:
**9:23**
